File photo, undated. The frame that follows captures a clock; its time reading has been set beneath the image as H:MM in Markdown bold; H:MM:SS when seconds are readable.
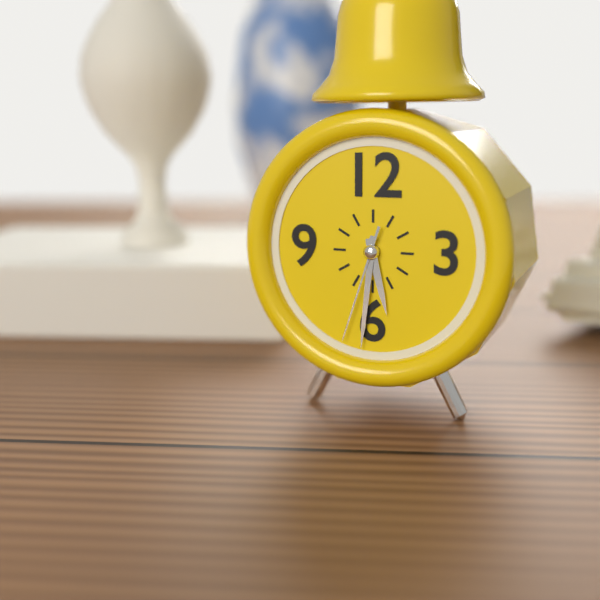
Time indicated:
**5:31:33**
